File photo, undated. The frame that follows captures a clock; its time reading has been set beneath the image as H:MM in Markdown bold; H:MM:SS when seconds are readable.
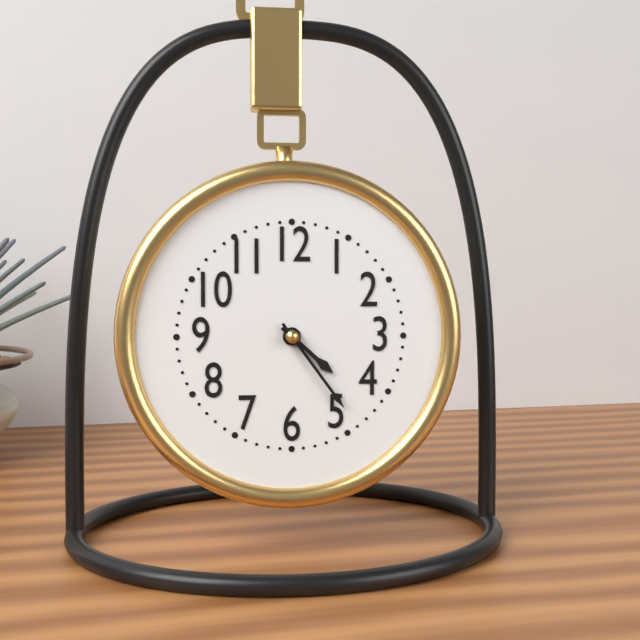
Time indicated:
**4:24**
